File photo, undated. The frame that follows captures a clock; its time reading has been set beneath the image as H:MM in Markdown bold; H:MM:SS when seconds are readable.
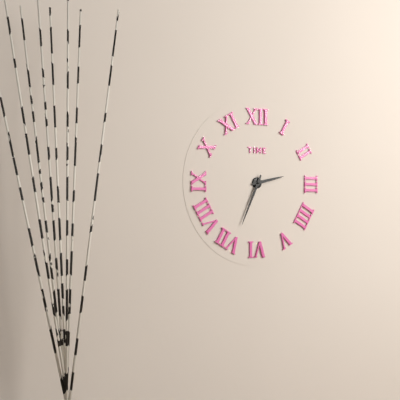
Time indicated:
**2:34**
